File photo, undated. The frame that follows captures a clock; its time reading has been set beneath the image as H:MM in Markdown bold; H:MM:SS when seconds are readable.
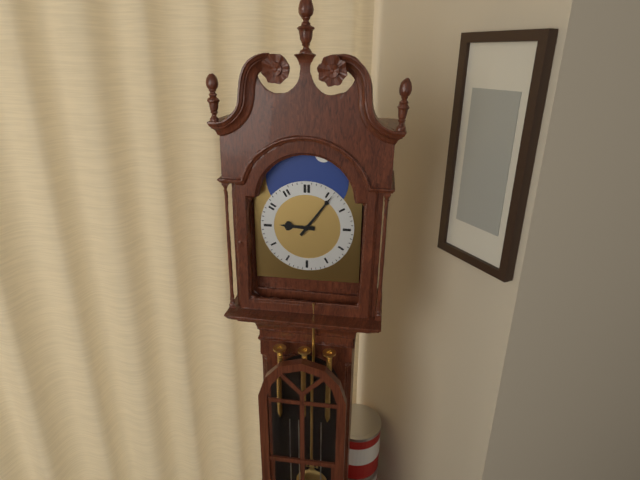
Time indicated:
**9:06**
